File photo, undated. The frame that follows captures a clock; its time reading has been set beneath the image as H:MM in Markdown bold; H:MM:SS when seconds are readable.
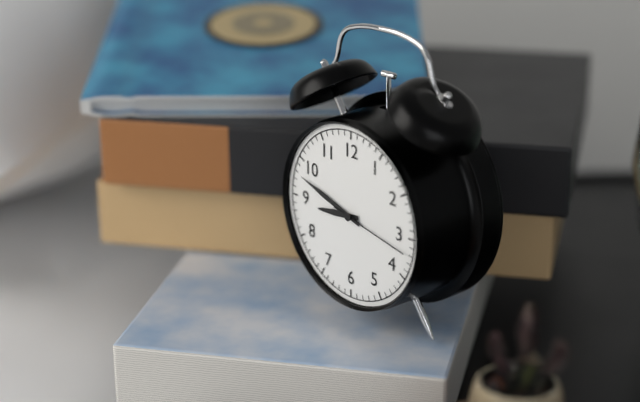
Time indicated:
**8:48:17**
